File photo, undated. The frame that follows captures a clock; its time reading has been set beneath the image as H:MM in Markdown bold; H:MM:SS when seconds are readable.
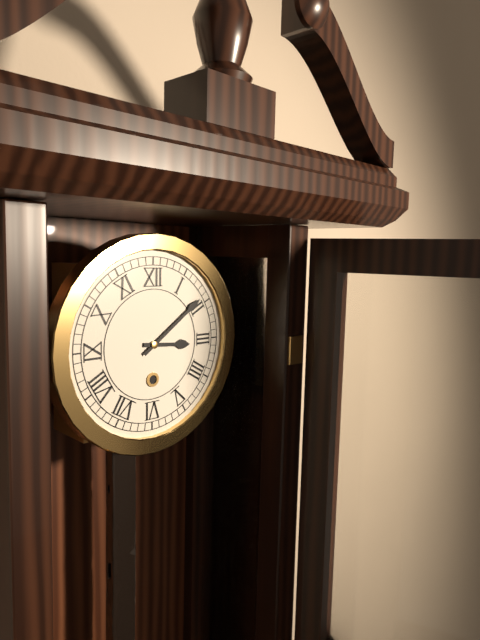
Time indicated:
**3:09**
